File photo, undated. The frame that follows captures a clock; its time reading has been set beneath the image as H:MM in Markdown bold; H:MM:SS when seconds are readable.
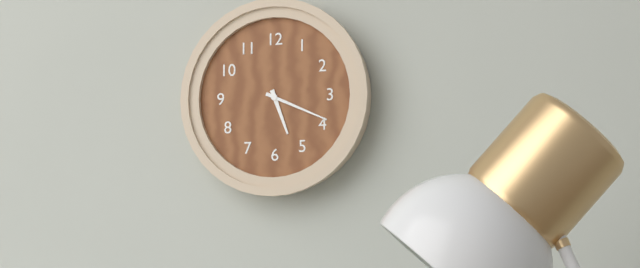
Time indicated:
**5:19**
